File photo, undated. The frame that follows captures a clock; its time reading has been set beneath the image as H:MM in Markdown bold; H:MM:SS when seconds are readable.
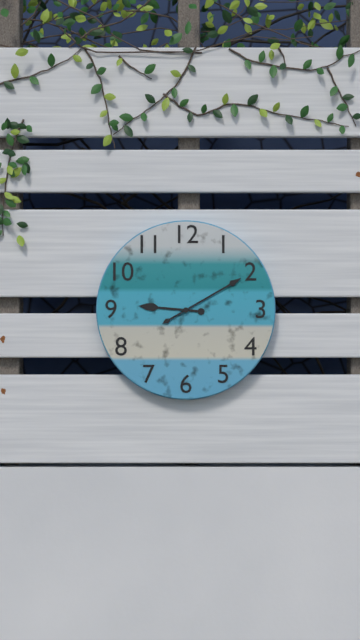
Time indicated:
**9:10**
